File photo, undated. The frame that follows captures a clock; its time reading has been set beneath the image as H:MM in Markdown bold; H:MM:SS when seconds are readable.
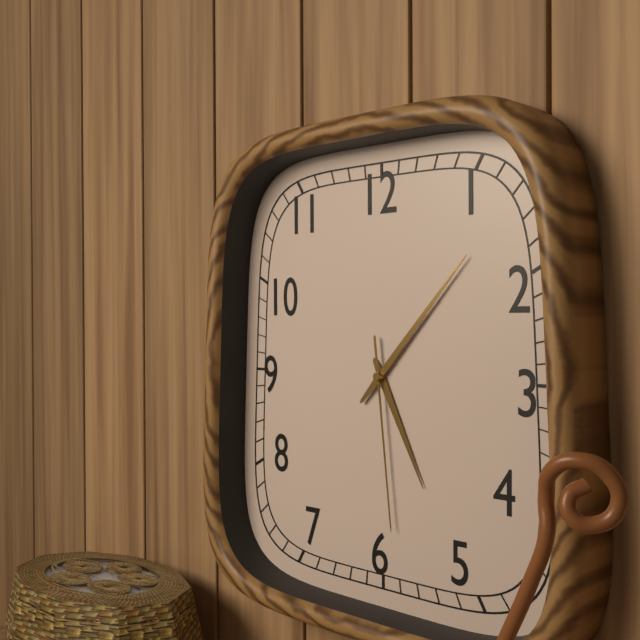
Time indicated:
**5:07:29**
